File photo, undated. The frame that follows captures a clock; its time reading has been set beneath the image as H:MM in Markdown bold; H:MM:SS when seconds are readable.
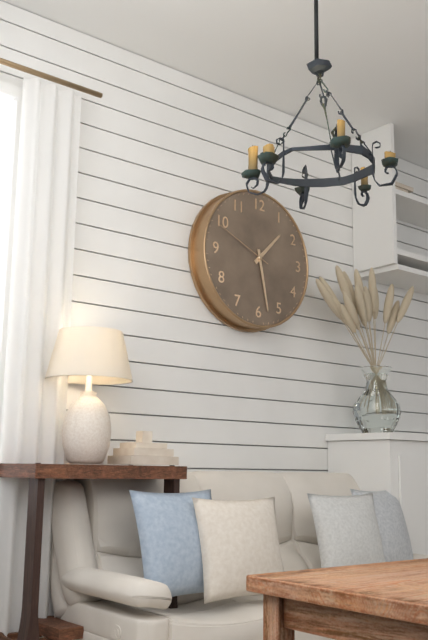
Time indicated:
**1:28:49**
